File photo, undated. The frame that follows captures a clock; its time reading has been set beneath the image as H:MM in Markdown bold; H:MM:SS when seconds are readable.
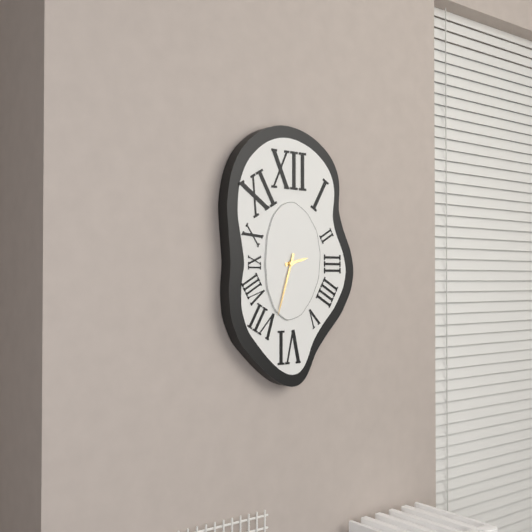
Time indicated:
**2:33**
